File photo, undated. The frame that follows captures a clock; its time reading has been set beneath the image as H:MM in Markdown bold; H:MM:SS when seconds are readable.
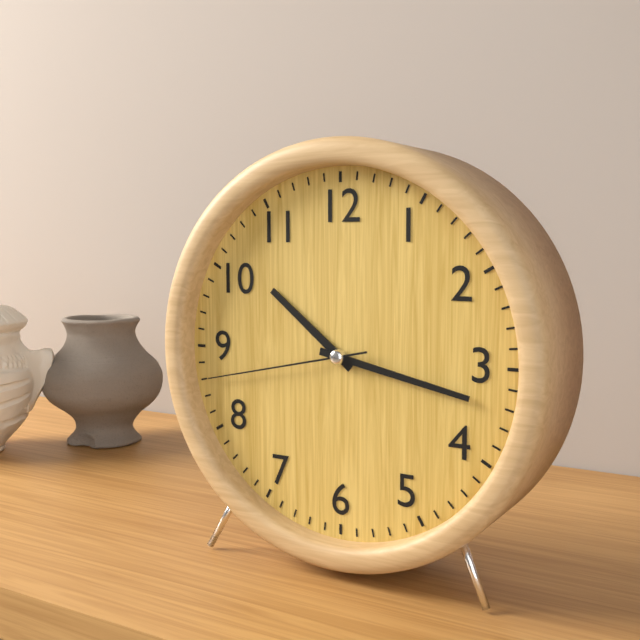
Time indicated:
**10:17:43**
